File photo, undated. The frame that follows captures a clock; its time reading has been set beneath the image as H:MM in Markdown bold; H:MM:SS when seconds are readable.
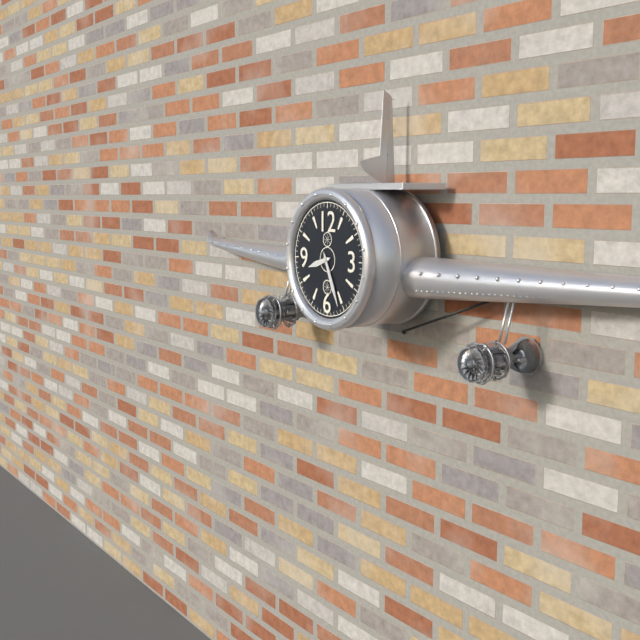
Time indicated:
**8:26**
